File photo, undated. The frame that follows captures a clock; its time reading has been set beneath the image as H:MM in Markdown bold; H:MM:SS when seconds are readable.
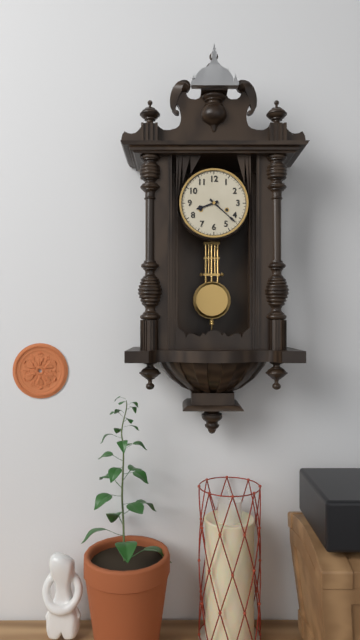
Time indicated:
**8:22**
